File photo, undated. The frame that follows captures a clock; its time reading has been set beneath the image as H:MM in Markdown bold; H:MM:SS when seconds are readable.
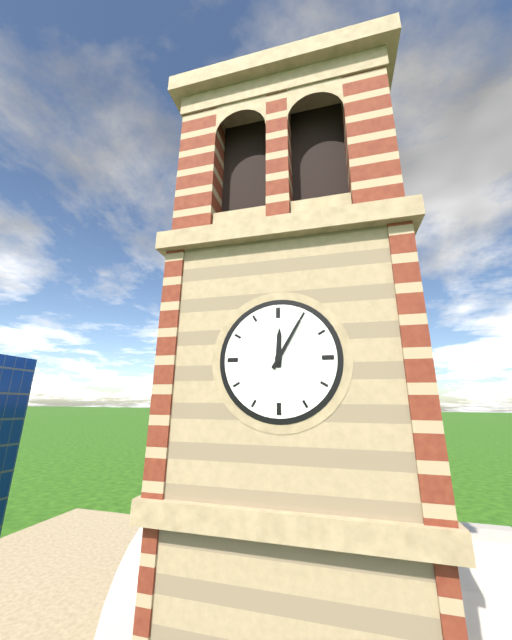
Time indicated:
**12:05**
